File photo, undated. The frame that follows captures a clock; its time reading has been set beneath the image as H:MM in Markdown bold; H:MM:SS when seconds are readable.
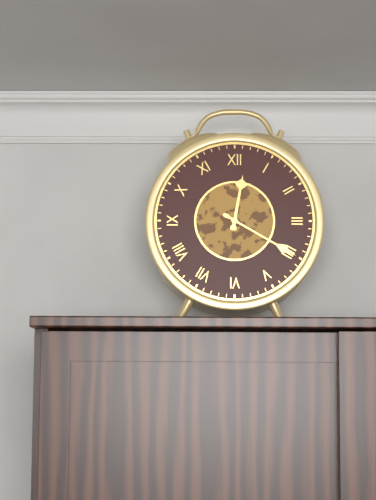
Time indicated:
**12:20**
